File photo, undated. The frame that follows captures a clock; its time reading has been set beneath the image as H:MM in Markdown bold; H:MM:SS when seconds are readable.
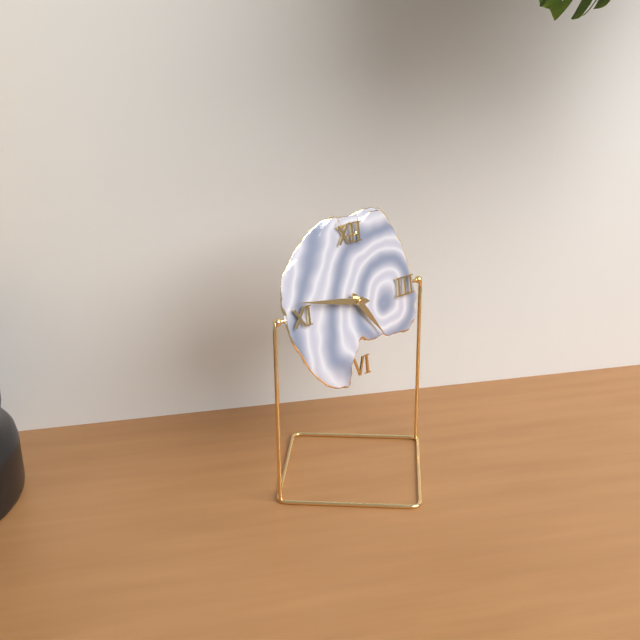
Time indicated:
**4:47**
